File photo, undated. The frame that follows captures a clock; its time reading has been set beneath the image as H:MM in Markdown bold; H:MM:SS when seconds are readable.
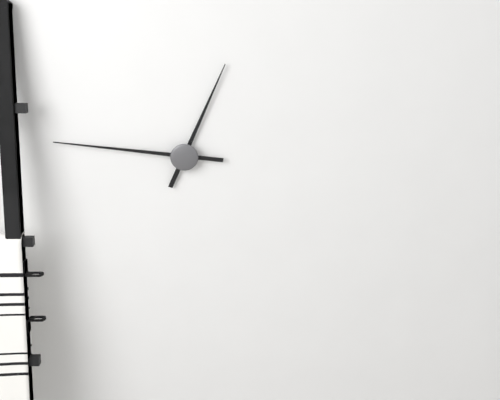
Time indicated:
**12:46**
